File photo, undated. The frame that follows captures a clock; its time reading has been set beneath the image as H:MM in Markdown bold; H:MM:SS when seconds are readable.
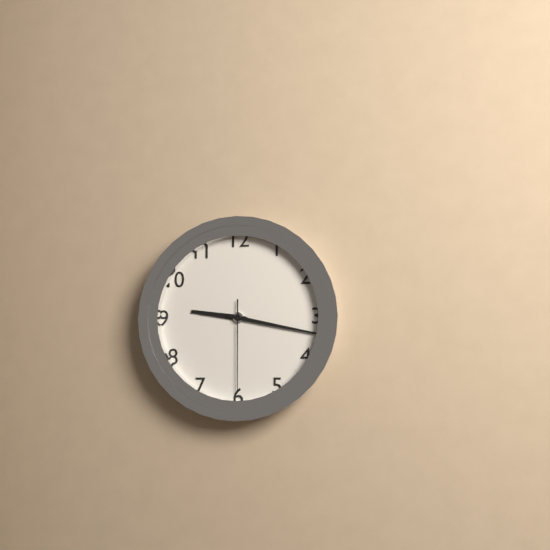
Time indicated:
**9:17:30**
